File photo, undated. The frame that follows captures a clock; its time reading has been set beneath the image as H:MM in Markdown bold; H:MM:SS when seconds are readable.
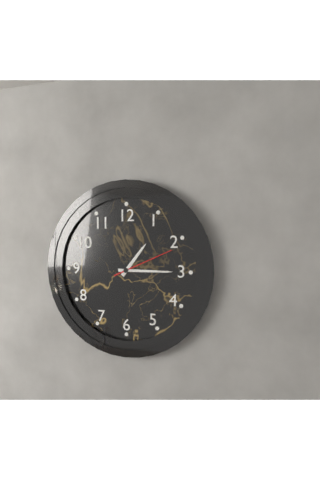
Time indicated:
**1:15:11**
